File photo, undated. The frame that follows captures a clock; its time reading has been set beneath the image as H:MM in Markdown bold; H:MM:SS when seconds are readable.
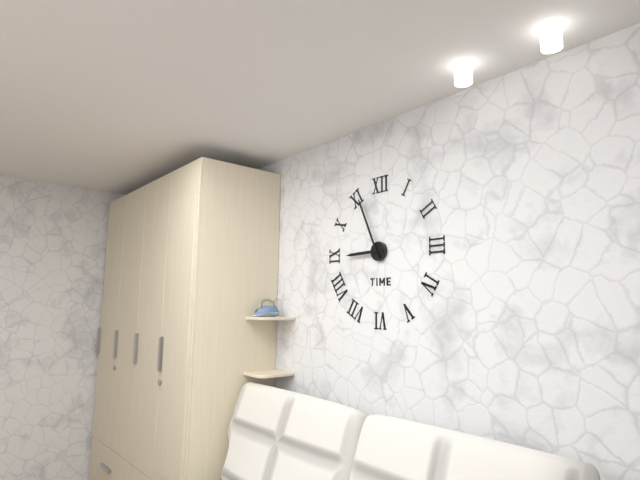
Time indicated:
**8:56**
